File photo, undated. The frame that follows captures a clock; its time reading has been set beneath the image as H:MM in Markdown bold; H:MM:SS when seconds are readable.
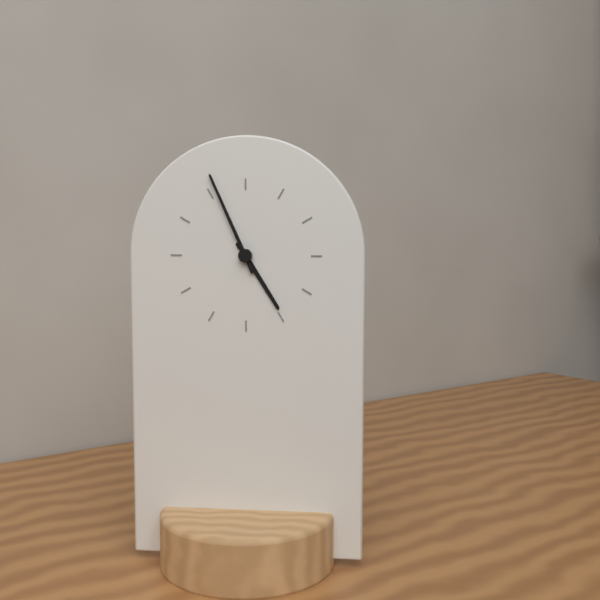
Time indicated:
**4:56**
